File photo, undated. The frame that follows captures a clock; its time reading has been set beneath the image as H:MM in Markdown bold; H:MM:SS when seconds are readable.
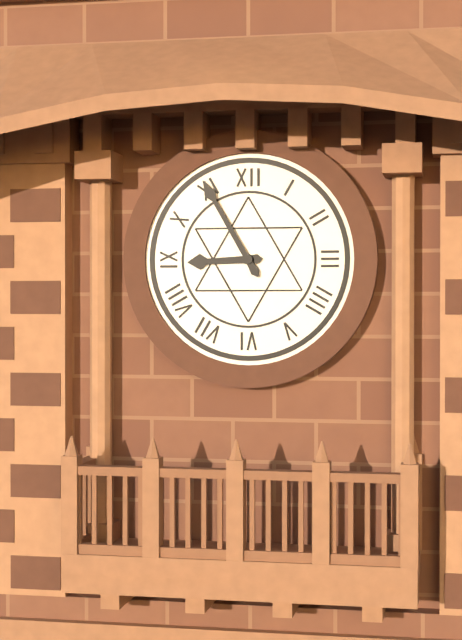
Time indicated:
**8:55**
